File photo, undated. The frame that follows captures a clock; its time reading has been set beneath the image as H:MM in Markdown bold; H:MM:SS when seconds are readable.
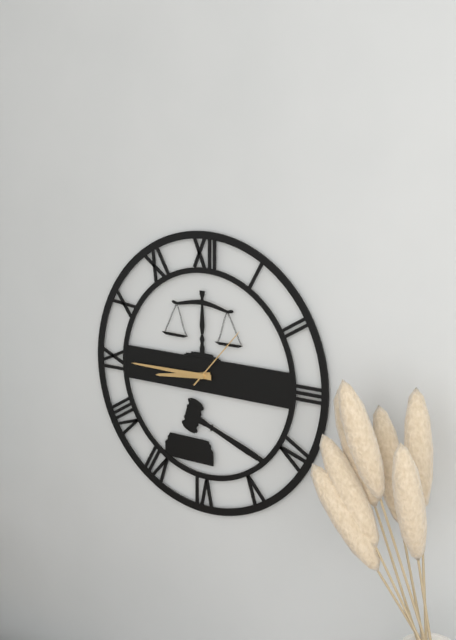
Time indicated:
**8:45:07**
